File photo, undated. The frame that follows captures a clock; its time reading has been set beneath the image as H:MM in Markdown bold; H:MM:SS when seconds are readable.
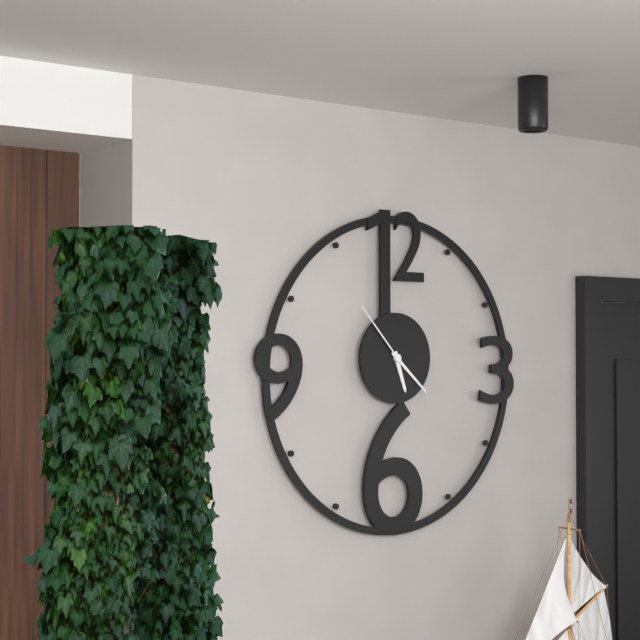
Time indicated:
**5:22:53**
